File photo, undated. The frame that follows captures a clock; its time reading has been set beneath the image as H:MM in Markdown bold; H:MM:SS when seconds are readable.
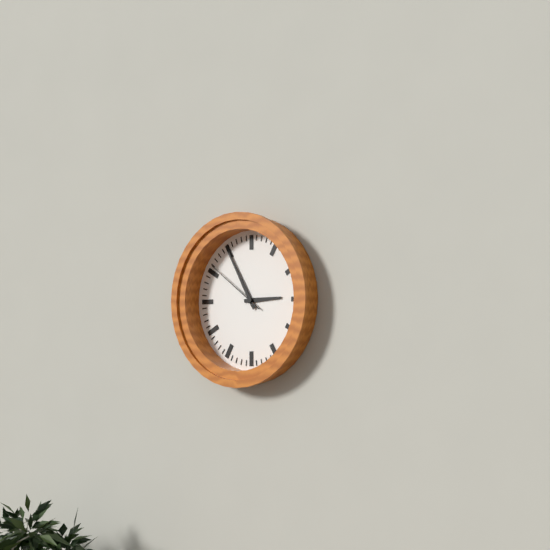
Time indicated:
**2:55:51**
